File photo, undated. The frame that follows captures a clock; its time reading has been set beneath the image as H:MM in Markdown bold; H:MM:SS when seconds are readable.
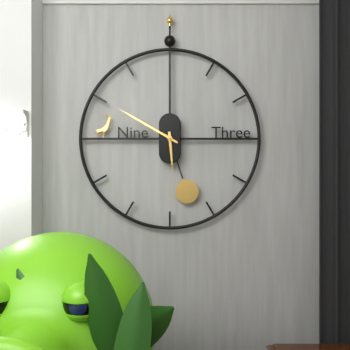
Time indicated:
**5:50**
